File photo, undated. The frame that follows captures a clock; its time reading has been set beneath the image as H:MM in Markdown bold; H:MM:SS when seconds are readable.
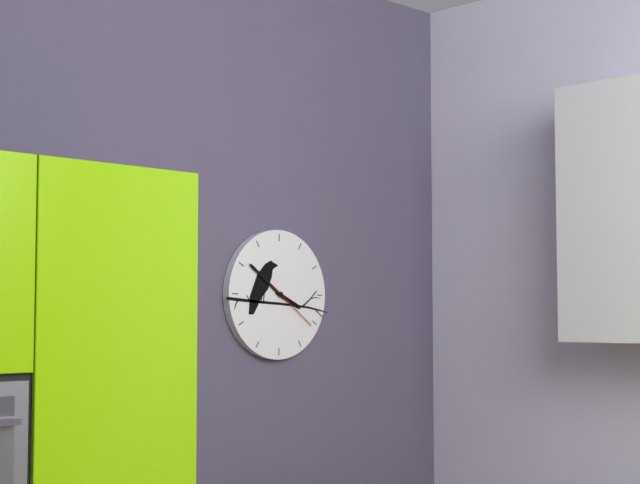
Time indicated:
**3:51:21**
